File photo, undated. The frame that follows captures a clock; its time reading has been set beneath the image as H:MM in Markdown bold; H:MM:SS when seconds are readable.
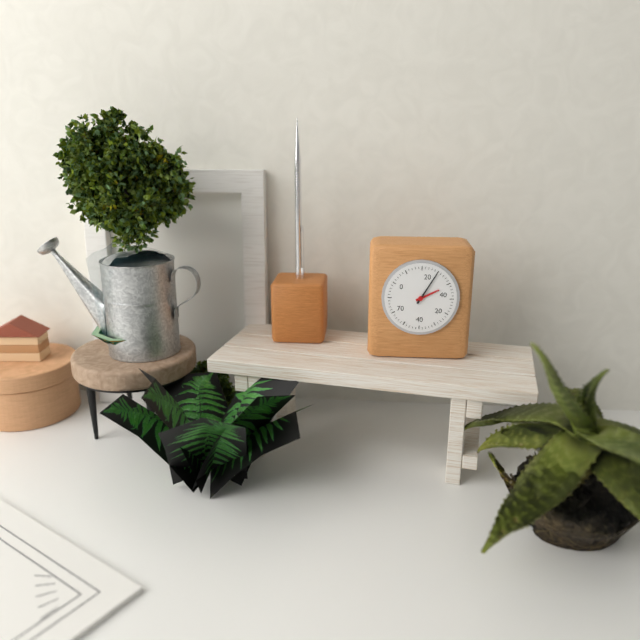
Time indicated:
**2:05**
